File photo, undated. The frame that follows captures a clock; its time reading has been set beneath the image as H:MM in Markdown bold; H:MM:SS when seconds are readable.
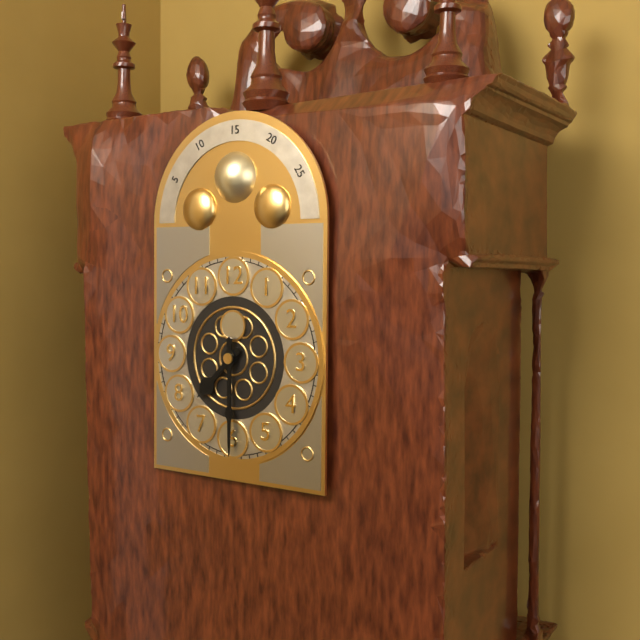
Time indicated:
**7:30**
